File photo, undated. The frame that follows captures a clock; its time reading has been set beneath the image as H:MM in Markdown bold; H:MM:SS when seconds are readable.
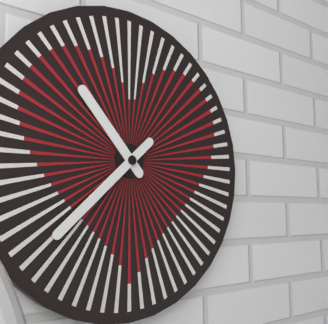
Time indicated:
**10:38**
